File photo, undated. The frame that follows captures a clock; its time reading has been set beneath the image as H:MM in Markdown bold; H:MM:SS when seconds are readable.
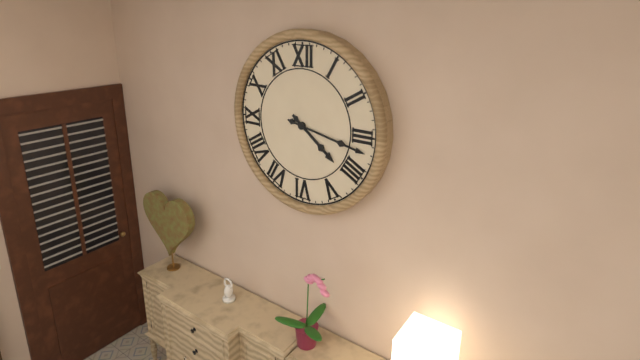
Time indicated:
**4:17**
